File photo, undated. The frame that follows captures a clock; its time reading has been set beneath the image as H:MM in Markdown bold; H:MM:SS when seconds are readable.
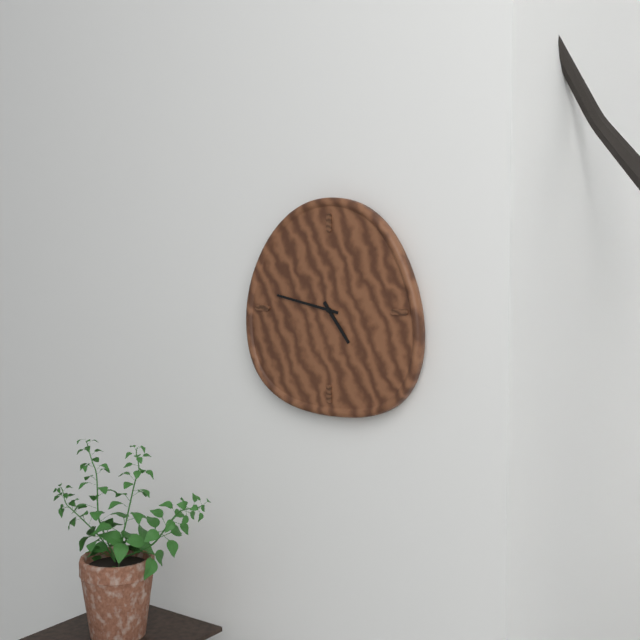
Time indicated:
**4:47**
